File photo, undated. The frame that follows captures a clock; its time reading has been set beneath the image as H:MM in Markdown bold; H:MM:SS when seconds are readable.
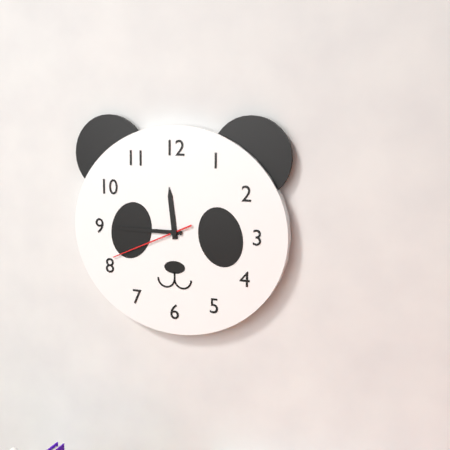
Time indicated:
**11:45:41**
